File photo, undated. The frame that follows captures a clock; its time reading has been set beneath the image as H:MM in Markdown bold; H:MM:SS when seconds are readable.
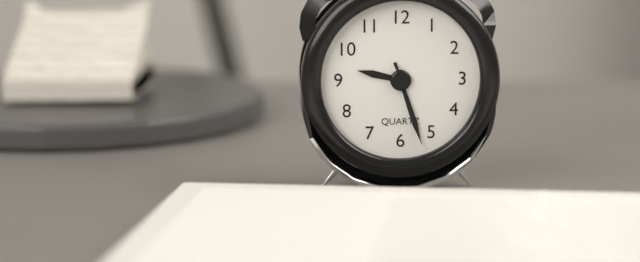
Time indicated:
**9:27:27**
